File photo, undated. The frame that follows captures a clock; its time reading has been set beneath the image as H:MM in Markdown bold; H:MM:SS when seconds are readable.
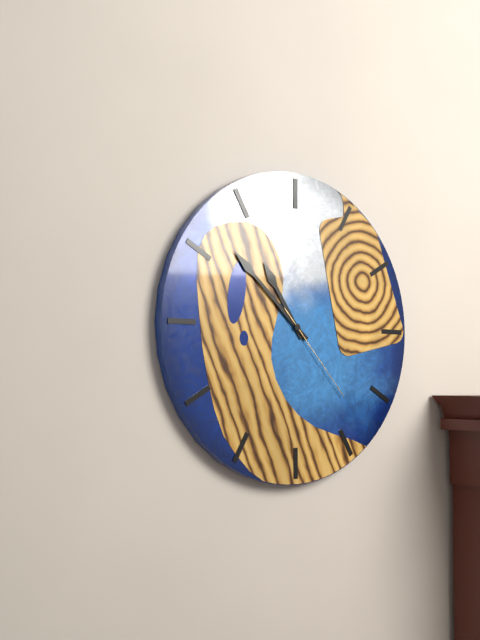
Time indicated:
**10:52:23**
